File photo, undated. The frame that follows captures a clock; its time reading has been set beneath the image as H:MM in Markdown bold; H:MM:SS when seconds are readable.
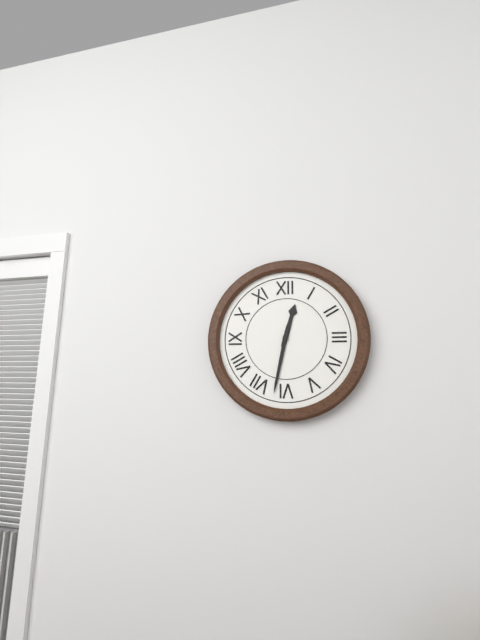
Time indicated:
**12:32**
